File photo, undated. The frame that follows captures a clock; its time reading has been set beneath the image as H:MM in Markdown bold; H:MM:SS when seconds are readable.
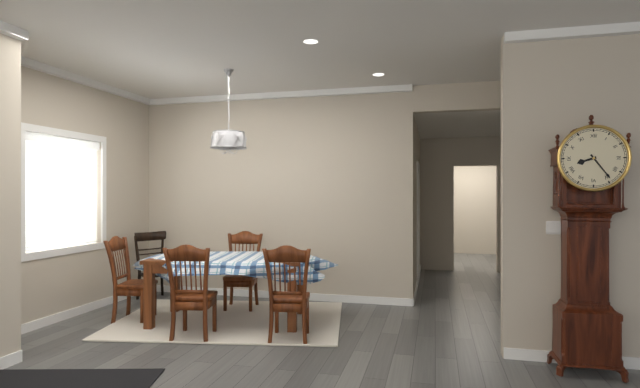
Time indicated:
**8:24**
